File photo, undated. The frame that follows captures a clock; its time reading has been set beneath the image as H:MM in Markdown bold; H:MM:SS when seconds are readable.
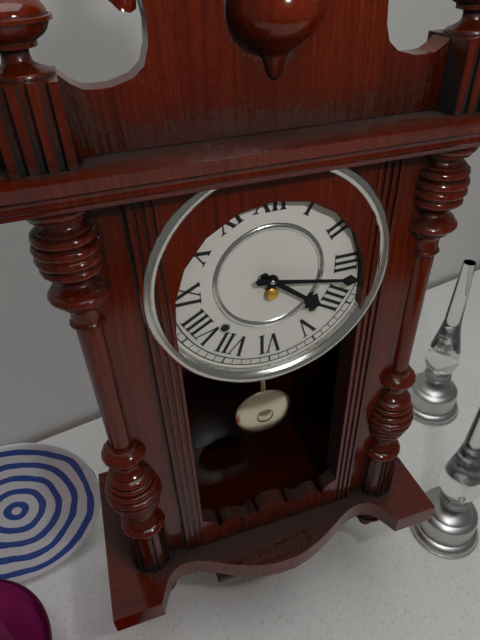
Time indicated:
**4:17**
